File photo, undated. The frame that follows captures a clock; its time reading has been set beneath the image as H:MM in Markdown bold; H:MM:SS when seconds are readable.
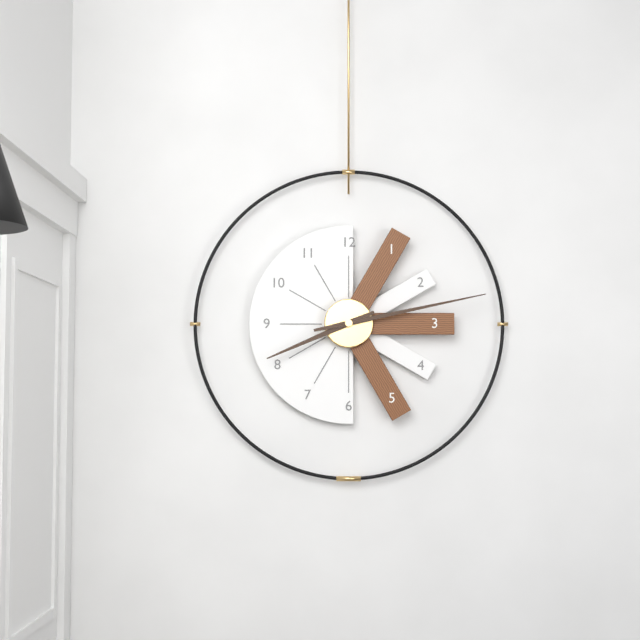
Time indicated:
**8:13**
